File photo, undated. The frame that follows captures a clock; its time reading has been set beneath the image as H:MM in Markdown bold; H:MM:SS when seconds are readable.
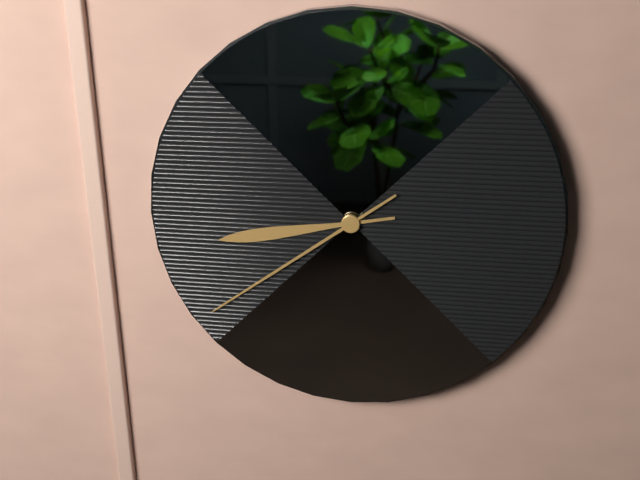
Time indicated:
**8:39**
